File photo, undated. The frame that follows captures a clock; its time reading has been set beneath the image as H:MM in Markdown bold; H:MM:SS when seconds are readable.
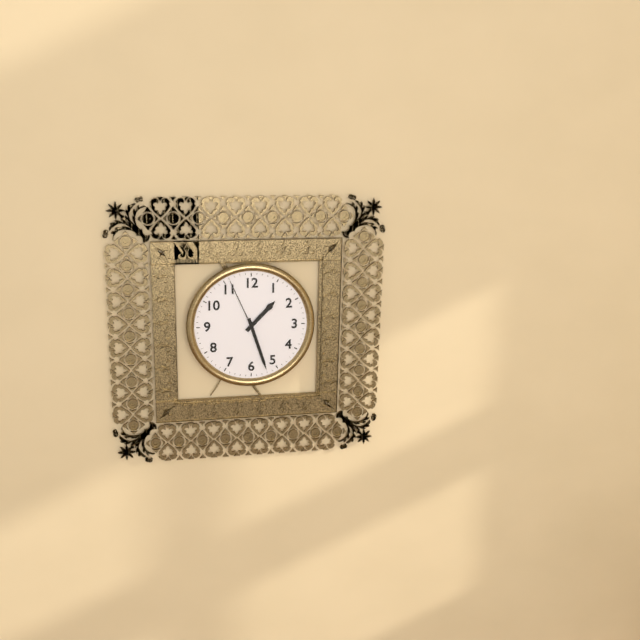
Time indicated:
**1:27:56**
